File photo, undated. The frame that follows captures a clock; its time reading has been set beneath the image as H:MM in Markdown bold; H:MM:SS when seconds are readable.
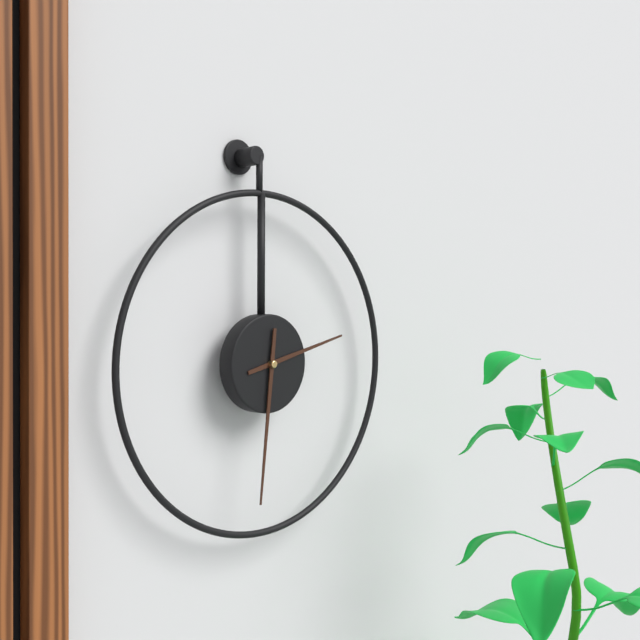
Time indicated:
**2:31**
